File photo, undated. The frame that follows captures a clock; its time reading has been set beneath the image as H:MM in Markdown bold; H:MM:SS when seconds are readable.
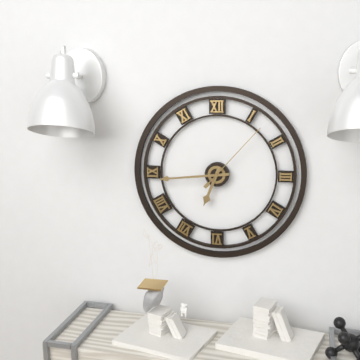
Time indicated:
**6:44:07**
